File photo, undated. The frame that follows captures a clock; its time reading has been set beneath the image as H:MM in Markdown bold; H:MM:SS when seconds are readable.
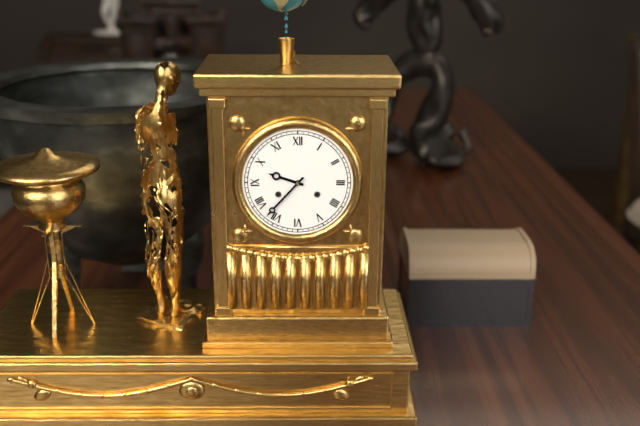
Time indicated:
**9:37**
